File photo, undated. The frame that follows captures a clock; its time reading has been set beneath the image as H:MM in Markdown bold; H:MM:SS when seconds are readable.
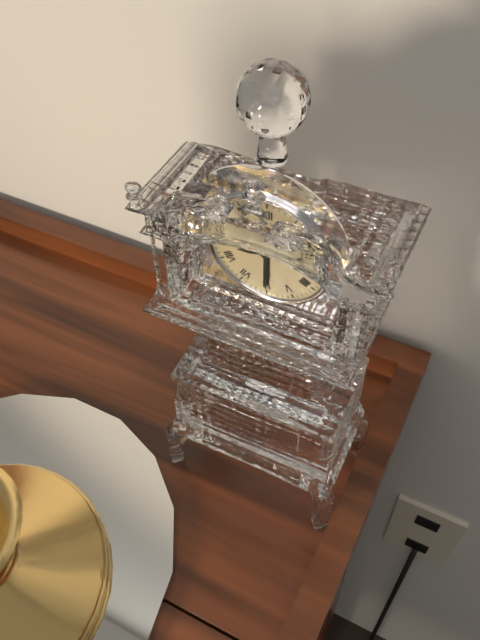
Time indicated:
**8:30**
